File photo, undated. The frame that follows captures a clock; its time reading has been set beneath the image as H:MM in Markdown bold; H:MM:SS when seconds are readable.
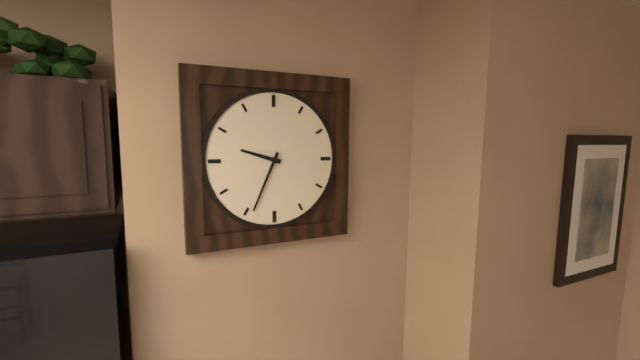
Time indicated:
**9:34**
